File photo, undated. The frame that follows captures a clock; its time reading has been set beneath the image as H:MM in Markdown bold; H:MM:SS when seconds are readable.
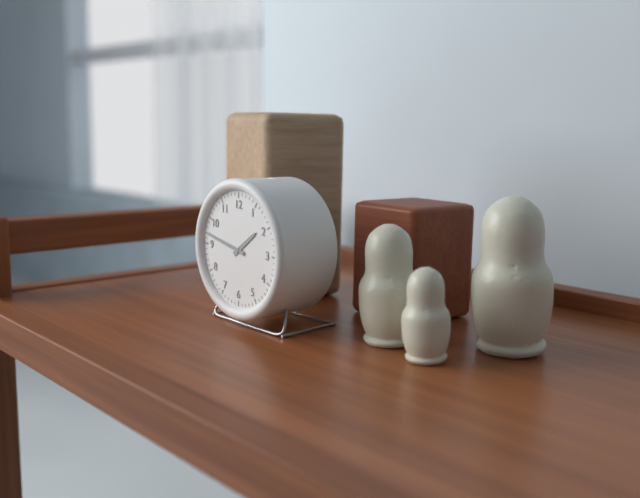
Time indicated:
**1:47**
